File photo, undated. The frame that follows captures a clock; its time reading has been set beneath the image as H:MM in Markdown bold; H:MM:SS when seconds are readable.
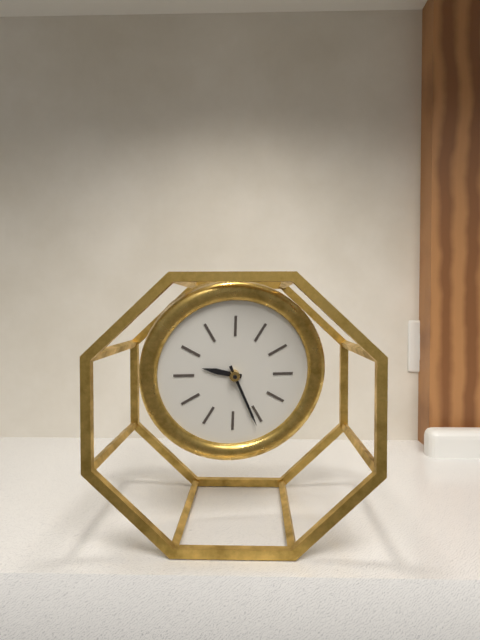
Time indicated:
**9:26**
